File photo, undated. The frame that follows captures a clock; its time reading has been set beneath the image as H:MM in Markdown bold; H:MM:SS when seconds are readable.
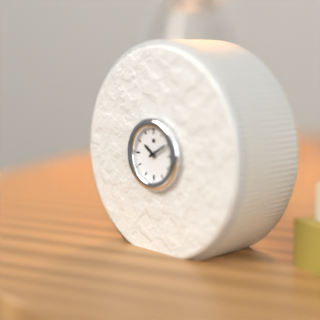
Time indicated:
**10:10**
